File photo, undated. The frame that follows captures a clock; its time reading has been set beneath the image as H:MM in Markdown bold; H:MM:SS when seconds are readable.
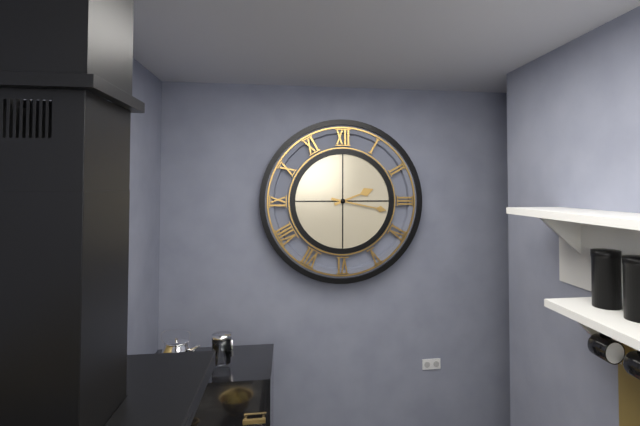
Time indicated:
**2:17**
